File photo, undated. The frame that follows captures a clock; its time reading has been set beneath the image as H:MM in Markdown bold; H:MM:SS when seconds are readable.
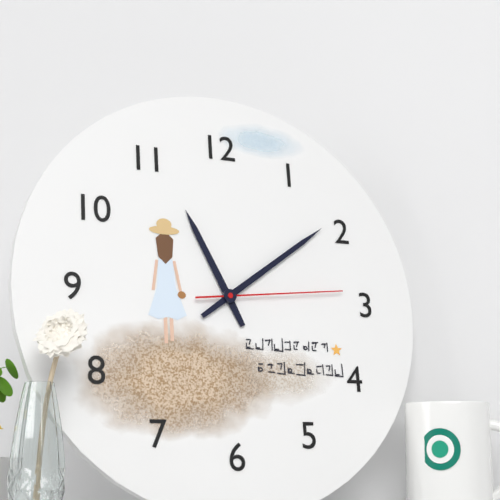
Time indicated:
**11:09:14**
